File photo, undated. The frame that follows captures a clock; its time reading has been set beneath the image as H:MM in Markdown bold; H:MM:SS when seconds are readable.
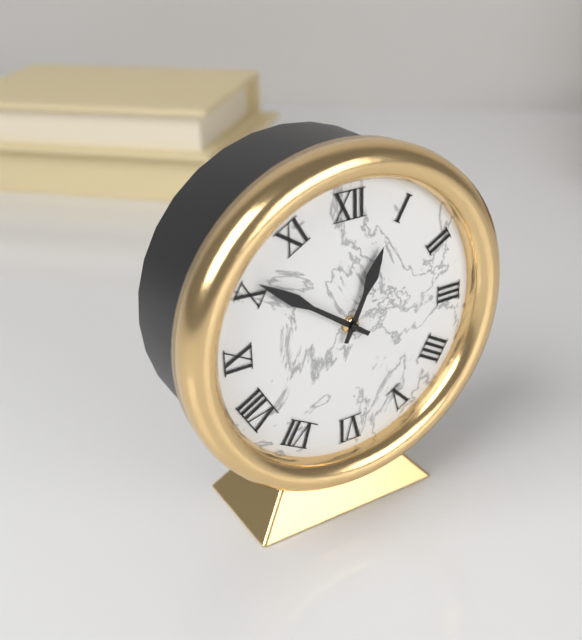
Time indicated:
**12:51**
